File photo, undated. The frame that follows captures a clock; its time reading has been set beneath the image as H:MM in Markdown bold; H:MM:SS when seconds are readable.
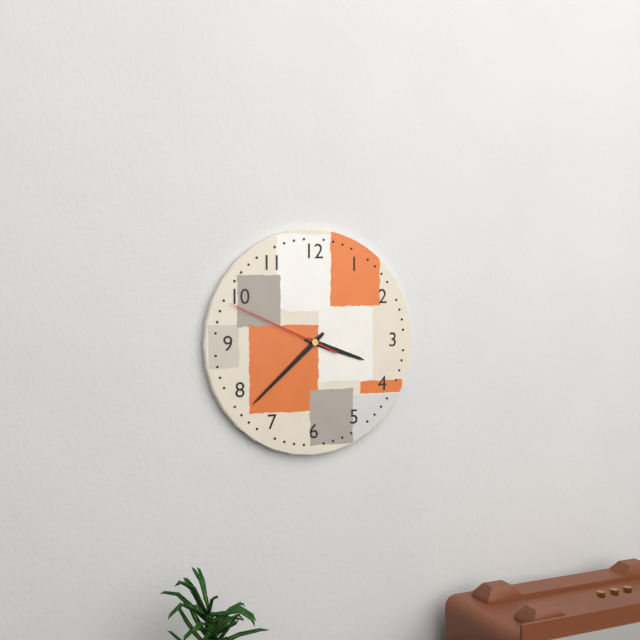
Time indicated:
**3:38:49**
